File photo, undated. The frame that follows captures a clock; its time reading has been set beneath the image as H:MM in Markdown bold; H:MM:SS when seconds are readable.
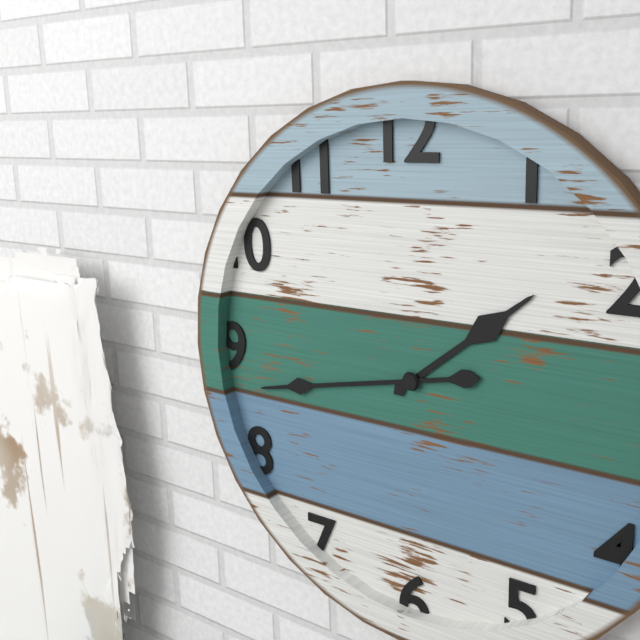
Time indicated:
**1:43**
